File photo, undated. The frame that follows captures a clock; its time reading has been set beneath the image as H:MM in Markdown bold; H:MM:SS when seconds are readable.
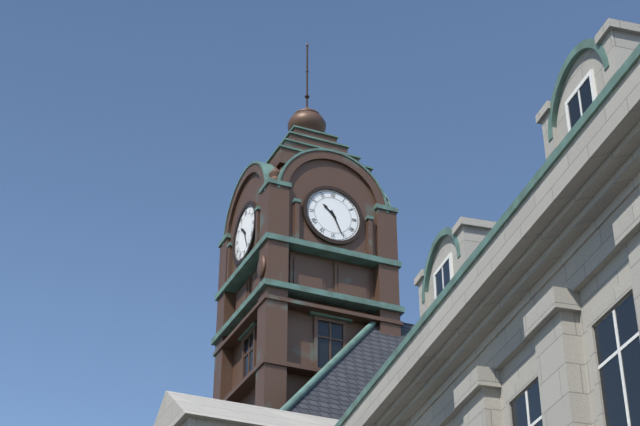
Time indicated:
**10:26**
